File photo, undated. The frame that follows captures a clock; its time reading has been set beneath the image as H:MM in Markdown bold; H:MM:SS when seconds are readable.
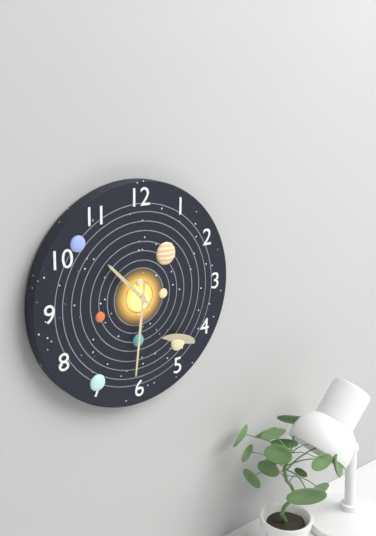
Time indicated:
**10:31**
